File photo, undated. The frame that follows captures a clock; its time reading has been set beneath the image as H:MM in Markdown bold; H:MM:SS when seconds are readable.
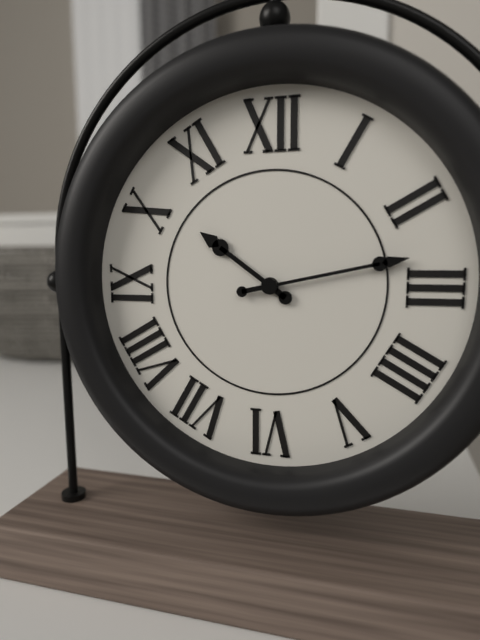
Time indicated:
**10:13**
